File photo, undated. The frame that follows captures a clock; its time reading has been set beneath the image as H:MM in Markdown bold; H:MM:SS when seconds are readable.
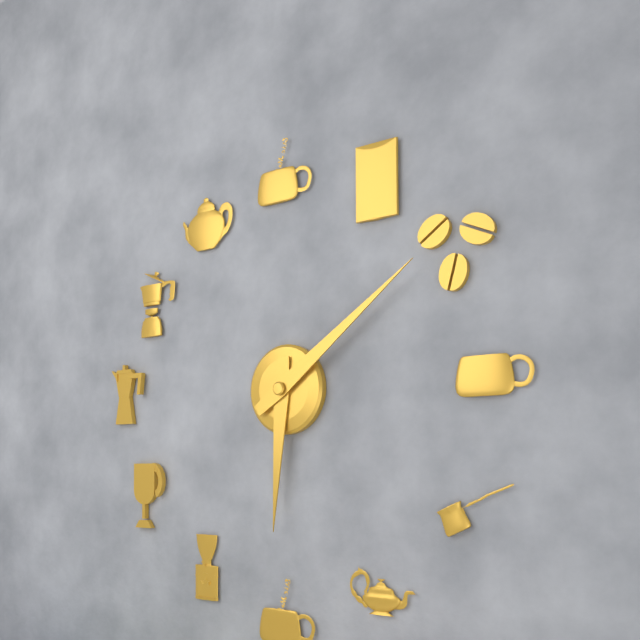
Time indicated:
**6:09**
